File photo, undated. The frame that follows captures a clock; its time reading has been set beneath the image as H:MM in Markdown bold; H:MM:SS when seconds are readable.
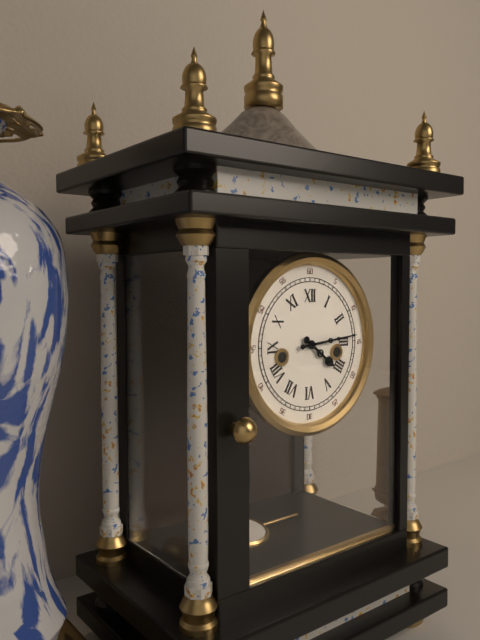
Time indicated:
**4:14**
